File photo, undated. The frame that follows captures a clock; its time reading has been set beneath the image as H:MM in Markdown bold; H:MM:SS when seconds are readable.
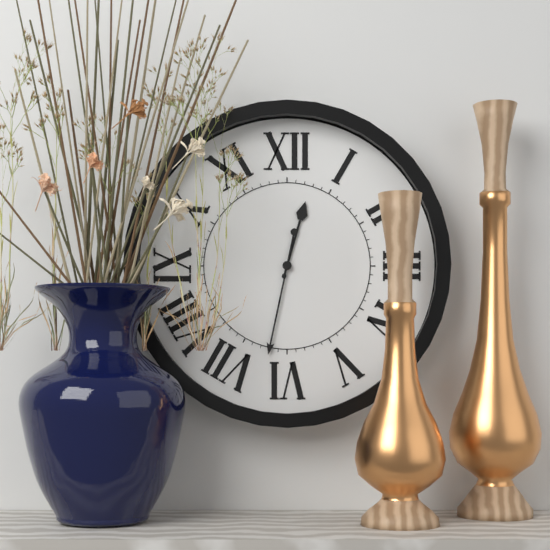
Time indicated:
**12:32**
